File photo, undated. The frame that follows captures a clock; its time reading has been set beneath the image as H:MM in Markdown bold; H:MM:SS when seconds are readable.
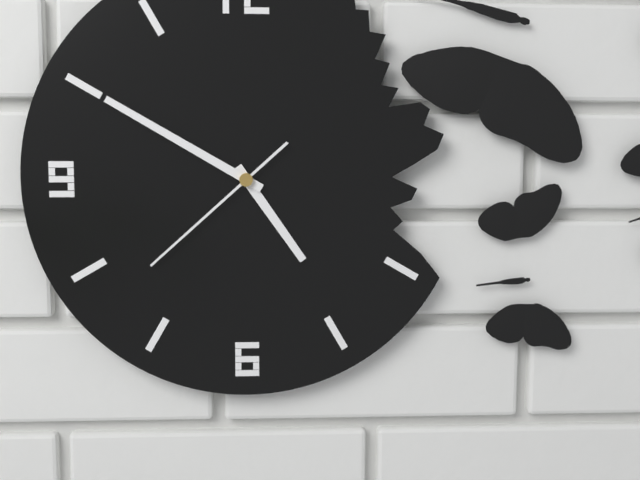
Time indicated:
**4:50:38**
